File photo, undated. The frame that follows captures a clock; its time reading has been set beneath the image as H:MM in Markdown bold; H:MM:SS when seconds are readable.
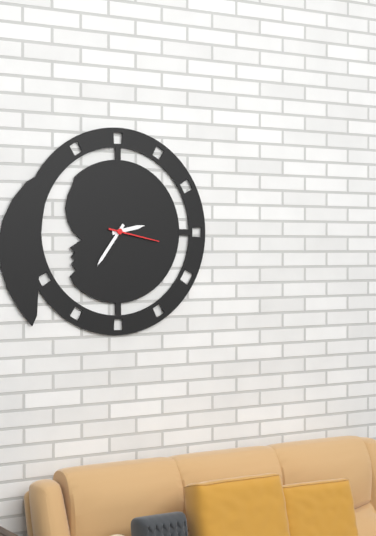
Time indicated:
**2:36:17**
